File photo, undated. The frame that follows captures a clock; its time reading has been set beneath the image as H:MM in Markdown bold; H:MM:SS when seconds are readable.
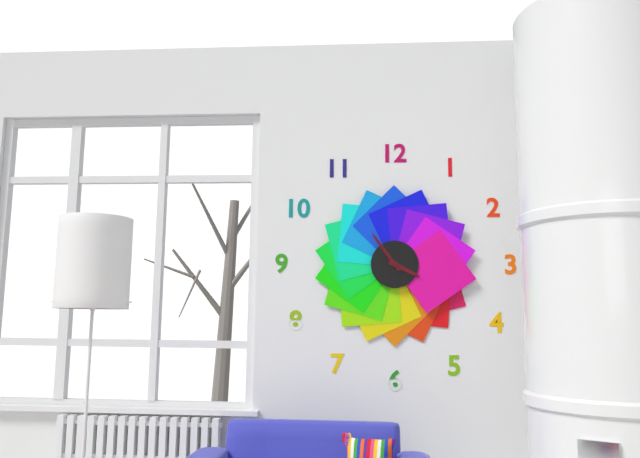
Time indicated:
**3:54**
